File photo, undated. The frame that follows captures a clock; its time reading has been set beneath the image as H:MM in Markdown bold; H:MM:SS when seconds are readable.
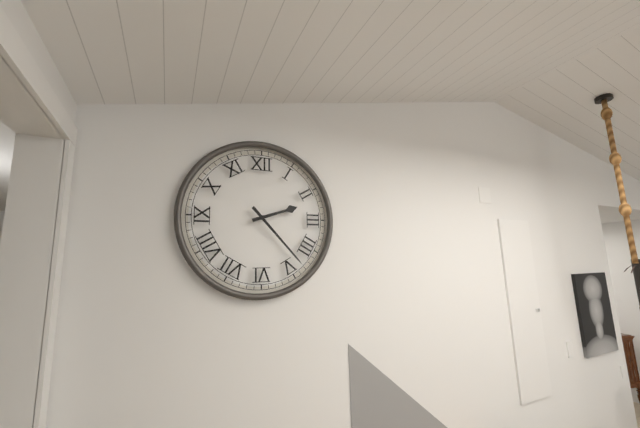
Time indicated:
**2:23**
